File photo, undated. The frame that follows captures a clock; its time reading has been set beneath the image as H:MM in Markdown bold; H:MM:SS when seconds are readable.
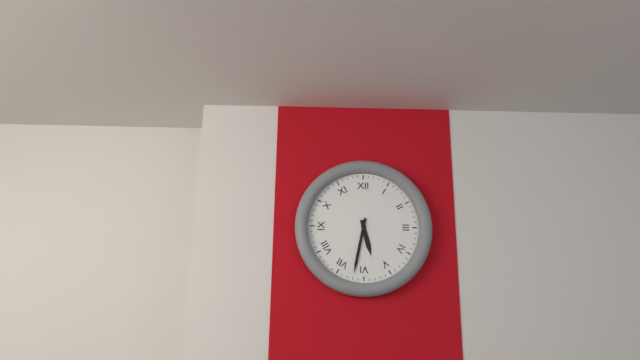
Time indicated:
**5:32**
